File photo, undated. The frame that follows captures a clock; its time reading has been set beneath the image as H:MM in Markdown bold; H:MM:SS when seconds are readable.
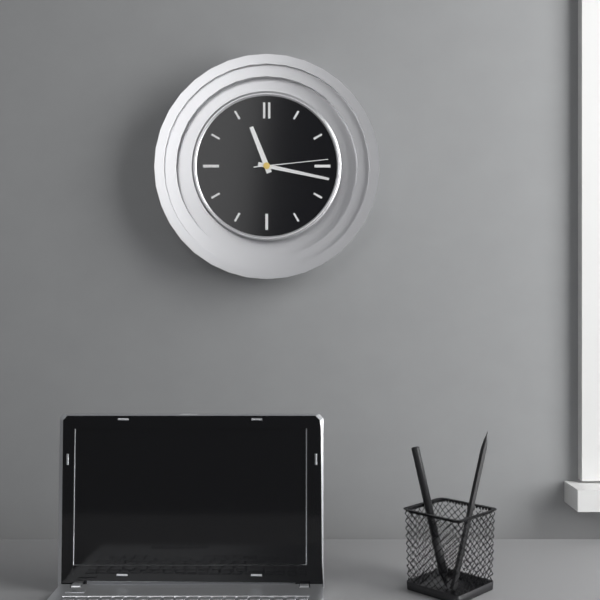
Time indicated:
**11:17:14**
